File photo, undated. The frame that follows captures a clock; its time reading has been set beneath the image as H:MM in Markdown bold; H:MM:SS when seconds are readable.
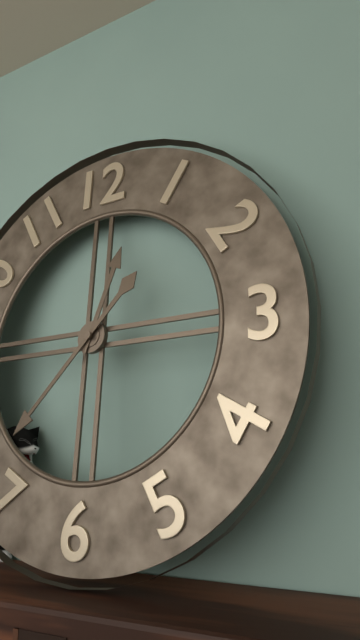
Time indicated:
**12:37**
